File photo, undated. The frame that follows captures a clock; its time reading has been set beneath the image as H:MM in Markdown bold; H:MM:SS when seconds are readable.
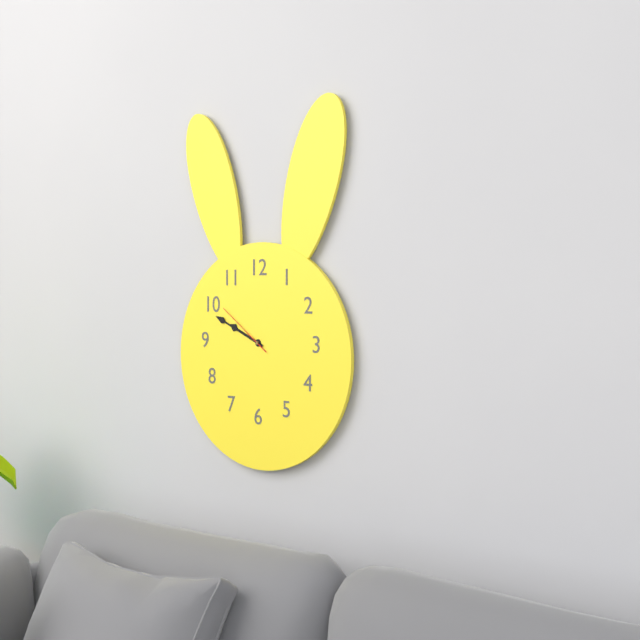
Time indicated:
**9:49:51**
